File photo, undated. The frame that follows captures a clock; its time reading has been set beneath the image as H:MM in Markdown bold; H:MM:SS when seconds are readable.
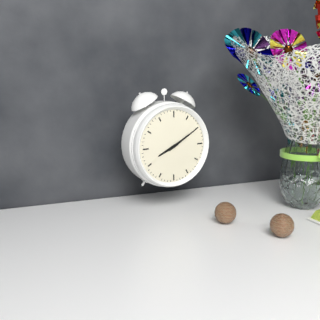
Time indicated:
**8:10**
